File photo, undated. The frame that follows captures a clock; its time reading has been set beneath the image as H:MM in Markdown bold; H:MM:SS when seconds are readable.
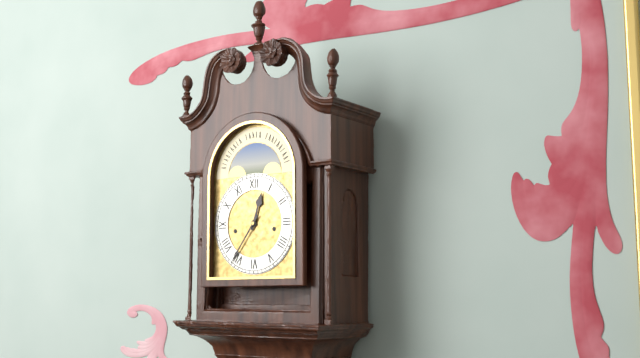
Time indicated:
**12:36**
